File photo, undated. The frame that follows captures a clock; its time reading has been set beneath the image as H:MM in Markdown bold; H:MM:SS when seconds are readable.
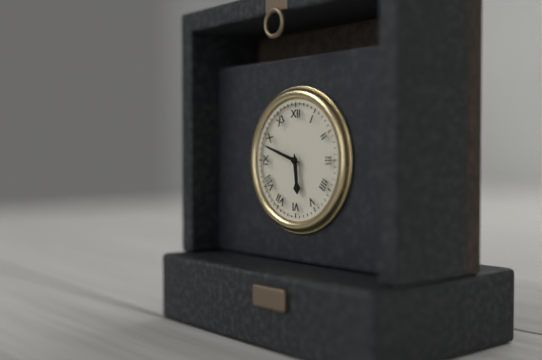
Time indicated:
**5:48**
